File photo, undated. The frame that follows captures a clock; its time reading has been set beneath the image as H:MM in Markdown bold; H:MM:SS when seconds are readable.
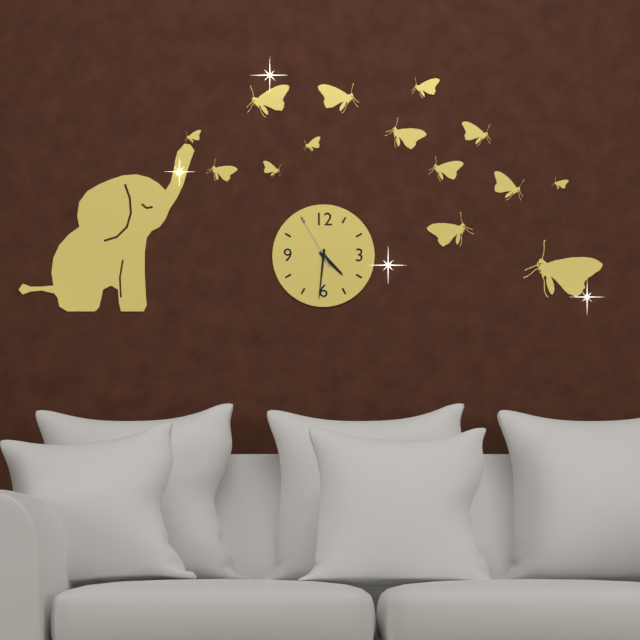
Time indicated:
**4:31:55**
